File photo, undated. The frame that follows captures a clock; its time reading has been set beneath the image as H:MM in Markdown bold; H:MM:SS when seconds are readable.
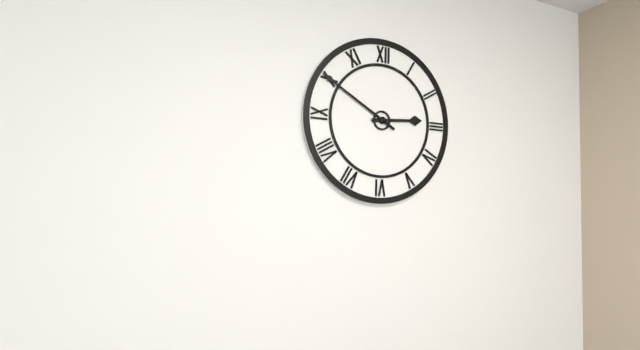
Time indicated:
**2:50**
